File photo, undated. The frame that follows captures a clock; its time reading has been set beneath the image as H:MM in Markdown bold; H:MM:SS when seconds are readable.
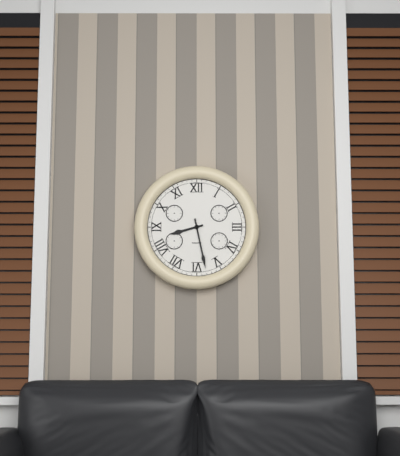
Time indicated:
**8:28**
